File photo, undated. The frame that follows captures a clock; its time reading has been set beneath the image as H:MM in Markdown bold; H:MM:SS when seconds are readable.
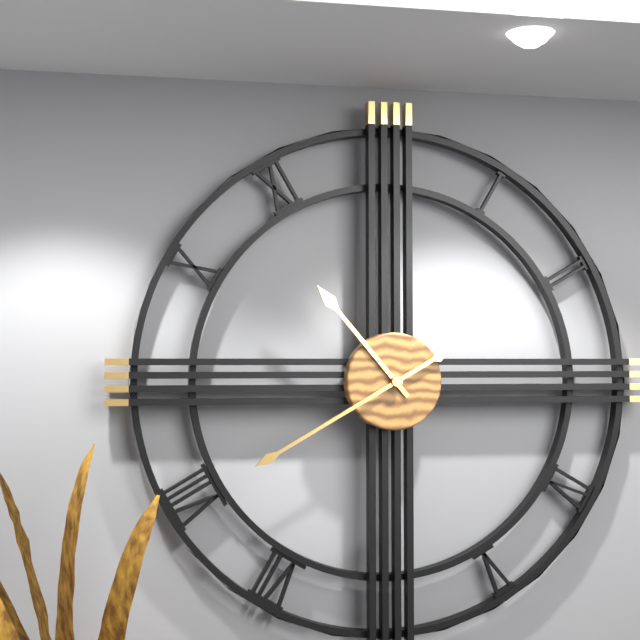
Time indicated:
**10:40**
